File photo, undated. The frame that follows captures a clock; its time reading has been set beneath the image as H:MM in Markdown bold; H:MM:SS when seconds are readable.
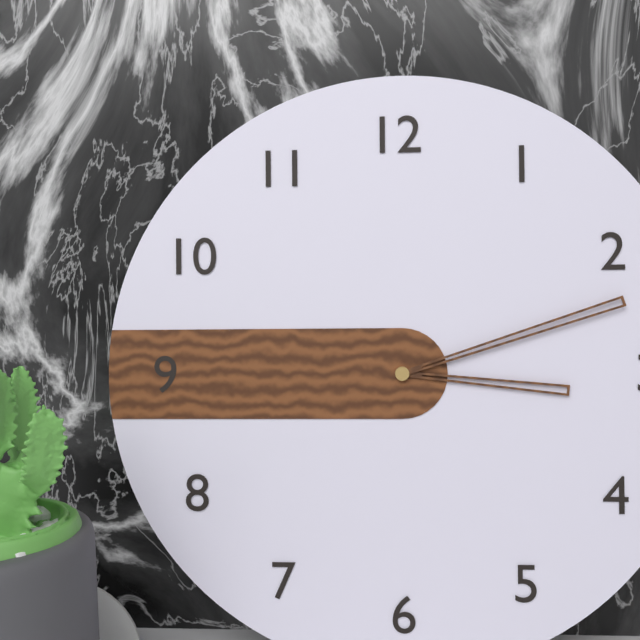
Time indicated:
**3:12**
